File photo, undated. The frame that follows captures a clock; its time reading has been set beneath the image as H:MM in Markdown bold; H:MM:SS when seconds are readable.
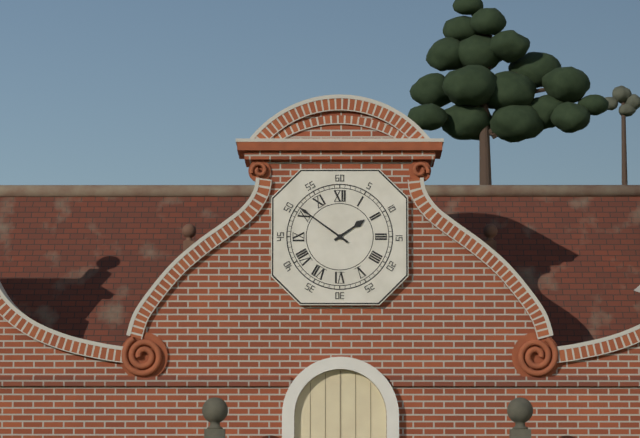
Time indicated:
**1:51**
